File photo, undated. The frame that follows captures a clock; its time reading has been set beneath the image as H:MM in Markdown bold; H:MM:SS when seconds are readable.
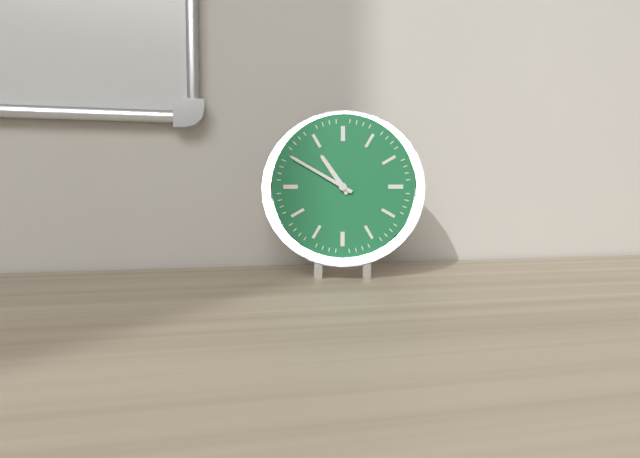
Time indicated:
**10:50**
